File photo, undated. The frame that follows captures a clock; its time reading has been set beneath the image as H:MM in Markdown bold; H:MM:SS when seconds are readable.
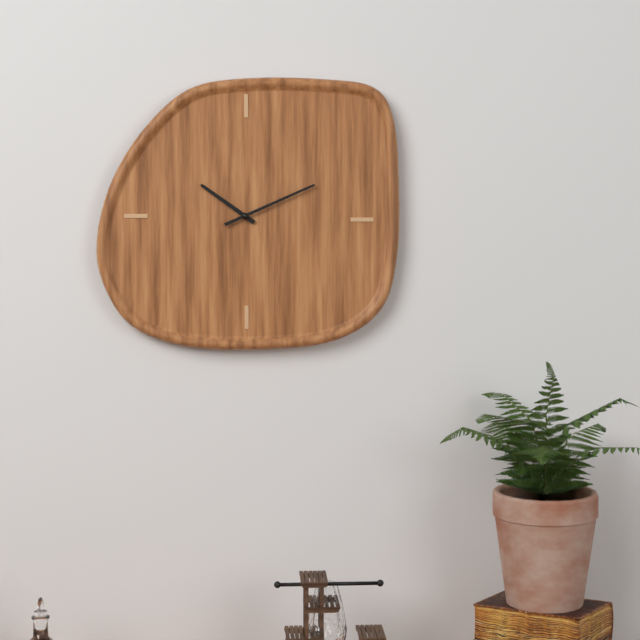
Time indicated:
**10:11**
